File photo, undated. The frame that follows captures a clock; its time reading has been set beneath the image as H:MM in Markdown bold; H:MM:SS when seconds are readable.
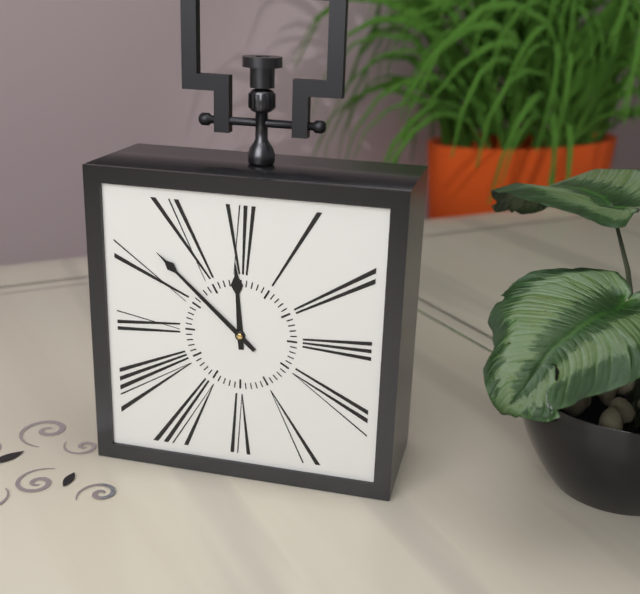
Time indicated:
**11:52**
